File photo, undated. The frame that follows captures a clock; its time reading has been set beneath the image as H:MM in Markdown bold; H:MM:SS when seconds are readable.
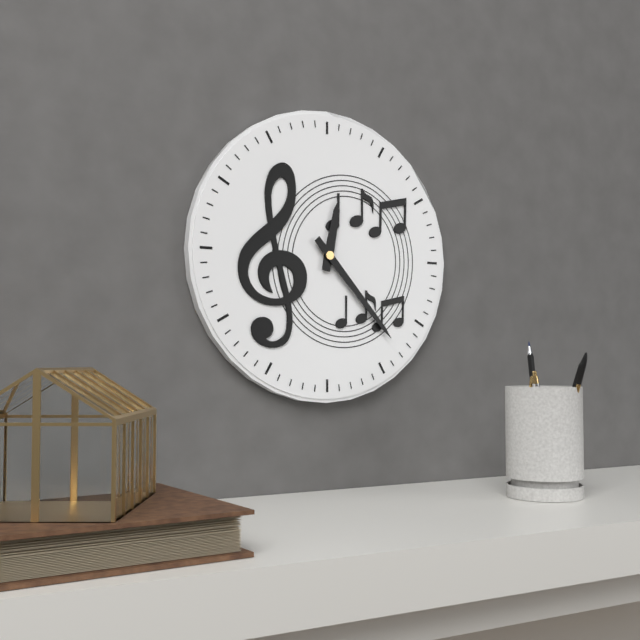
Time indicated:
**12:23**
